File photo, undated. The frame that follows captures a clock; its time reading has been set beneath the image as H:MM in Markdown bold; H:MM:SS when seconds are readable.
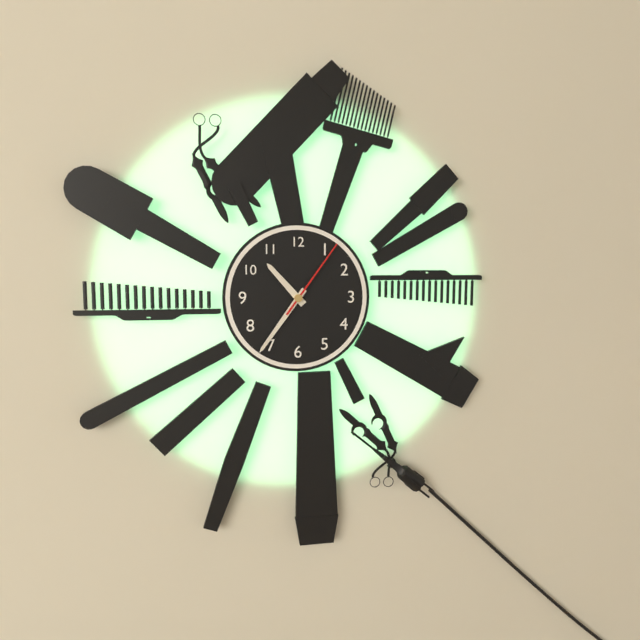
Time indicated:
**10:36:06**
